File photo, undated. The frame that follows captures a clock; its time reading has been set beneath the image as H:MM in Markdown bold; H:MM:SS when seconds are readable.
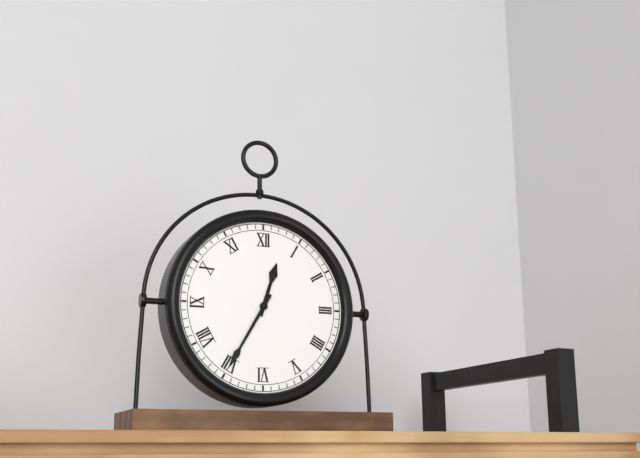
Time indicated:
**12:35**
